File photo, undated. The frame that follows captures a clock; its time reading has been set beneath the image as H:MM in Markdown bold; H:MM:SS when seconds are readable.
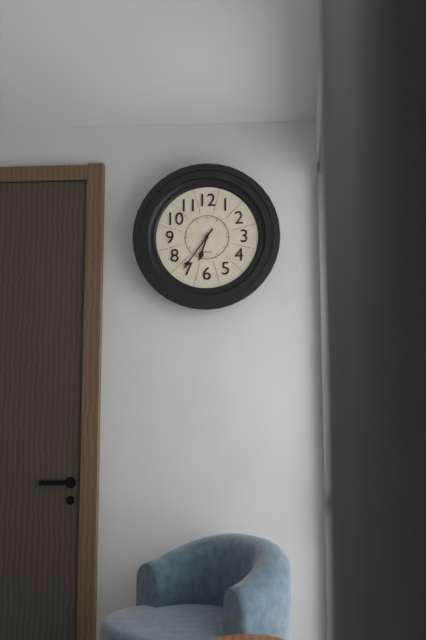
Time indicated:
**6:36**
